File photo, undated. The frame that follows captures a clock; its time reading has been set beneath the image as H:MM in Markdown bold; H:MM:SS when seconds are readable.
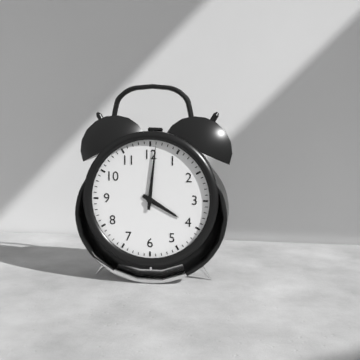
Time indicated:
**4:01**
